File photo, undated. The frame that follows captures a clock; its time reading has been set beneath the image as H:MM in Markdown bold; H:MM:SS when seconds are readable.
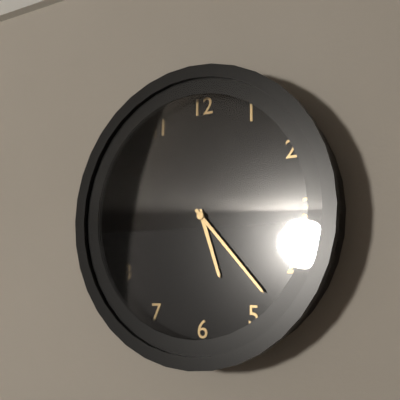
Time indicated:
**5:23**
